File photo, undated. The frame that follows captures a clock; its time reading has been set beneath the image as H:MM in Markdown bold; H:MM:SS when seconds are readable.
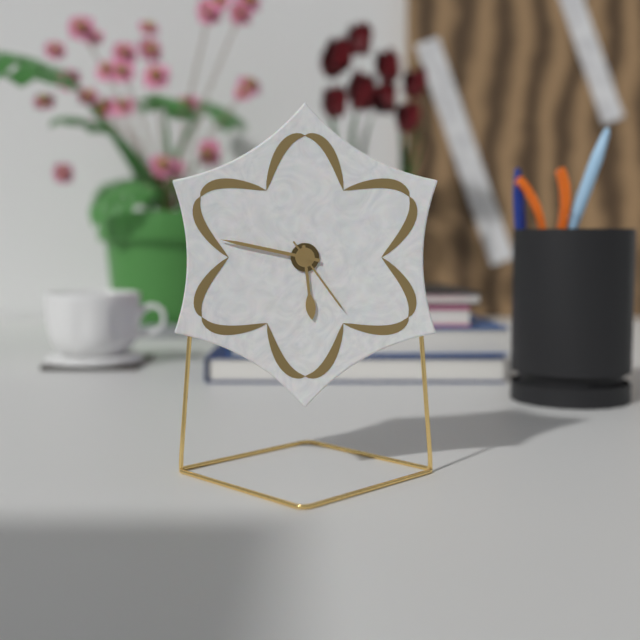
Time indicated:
**5:47:24**
